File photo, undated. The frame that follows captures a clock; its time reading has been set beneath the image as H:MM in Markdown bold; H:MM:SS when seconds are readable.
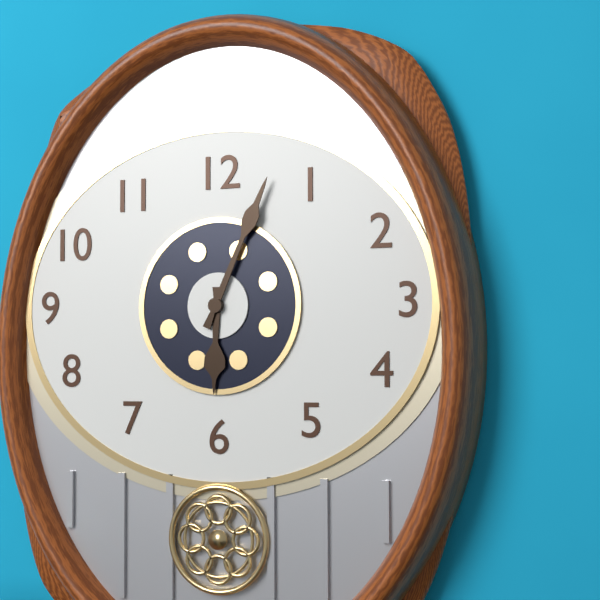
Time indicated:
**6:04**
